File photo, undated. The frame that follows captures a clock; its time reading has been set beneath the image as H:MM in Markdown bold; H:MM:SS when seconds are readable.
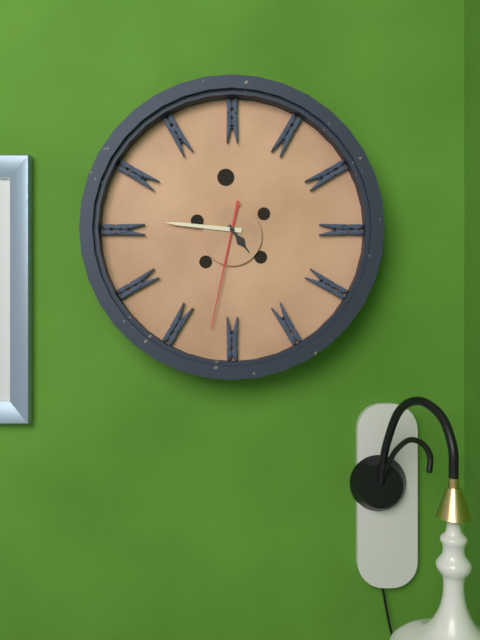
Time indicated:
**4:46:32**
